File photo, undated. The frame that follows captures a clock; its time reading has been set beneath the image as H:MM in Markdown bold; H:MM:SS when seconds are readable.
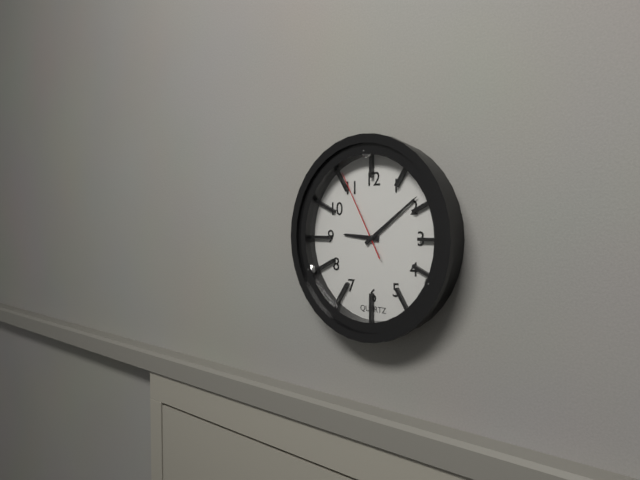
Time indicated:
**9:09:55**
